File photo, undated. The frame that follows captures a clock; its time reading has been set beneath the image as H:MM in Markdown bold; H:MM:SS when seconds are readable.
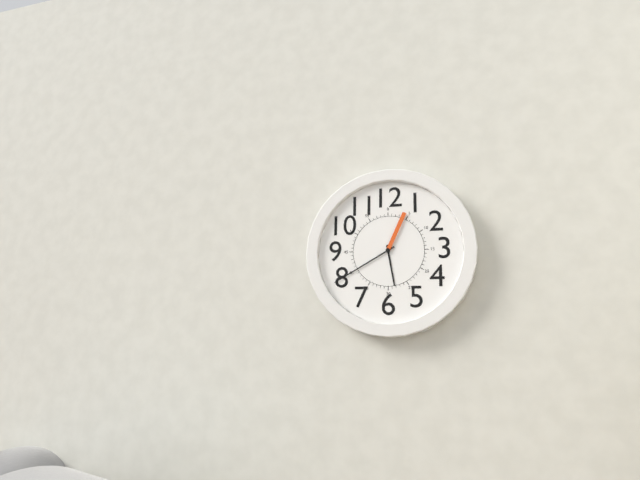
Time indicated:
**5:40:04**
